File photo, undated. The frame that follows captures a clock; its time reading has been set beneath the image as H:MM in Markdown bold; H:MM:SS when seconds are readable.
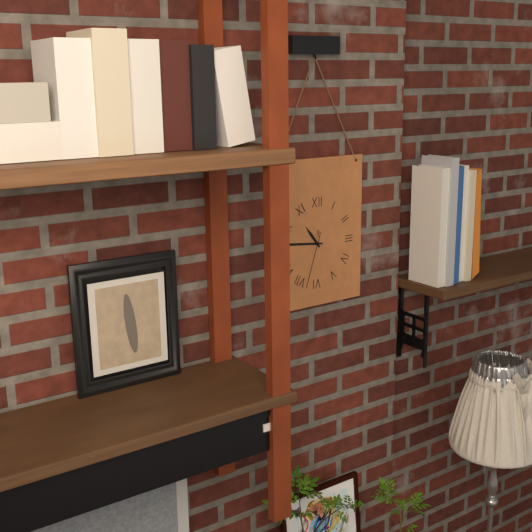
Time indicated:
**10:46:33**
